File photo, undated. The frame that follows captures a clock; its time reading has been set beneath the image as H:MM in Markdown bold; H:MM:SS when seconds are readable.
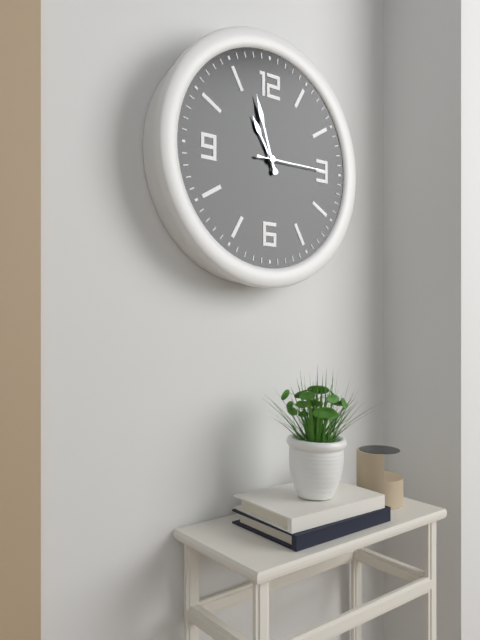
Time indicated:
**10:57:15**
